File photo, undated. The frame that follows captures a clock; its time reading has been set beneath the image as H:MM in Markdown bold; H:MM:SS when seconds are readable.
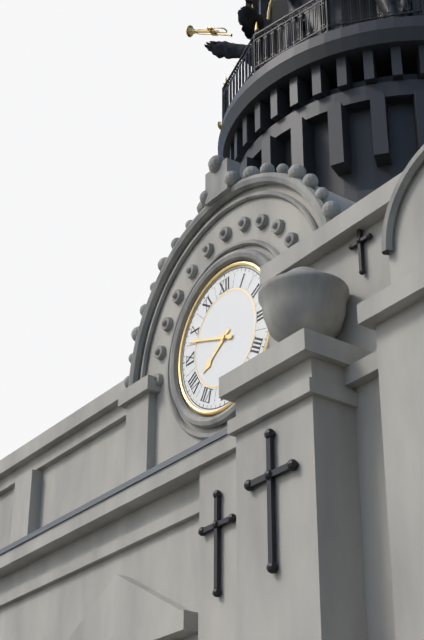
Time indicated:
**7:48**
